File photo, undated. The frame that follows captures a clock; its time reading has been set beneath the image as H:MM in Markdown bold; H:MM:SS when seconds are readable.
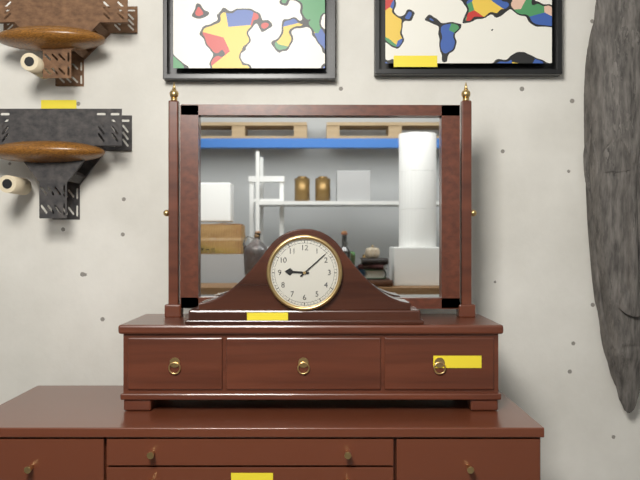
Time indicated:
**9:08**
